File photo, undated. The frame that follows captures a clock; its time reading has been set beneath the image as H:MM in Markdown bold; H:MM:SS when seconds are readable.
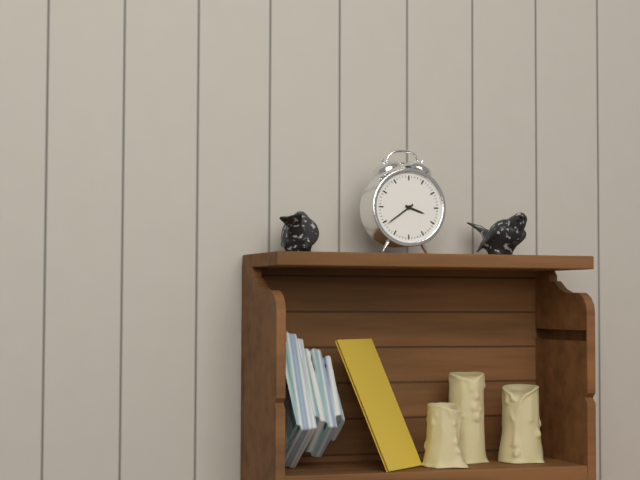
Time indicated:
**3:39**
